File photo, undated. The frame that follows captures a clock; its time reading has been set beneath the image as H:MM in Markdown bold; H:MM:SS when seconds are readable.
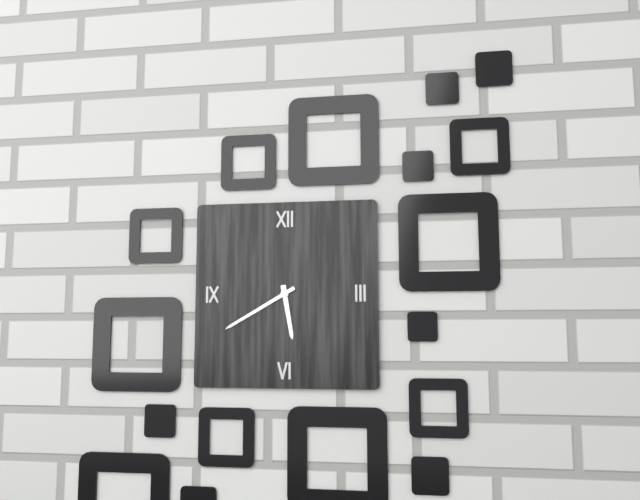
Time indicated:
**5:40**
